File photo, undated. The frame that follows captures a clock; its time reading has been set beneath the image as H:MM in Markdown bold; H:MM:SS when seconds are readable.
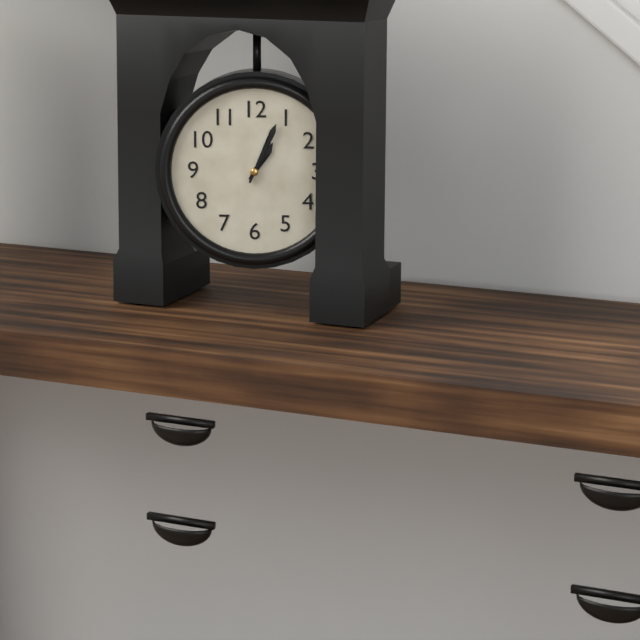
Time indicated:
**1:04**
